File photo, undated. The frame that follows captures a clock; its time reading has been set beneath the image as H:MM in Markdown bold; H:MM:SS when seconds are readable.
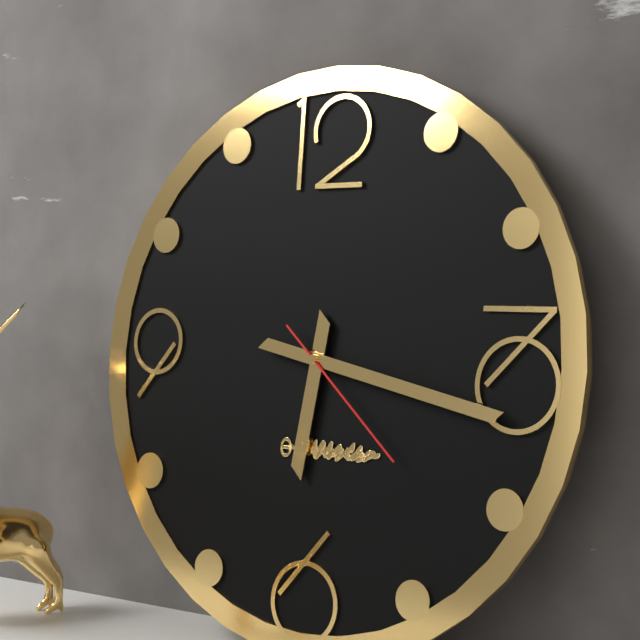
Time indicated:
**6:17:22**
